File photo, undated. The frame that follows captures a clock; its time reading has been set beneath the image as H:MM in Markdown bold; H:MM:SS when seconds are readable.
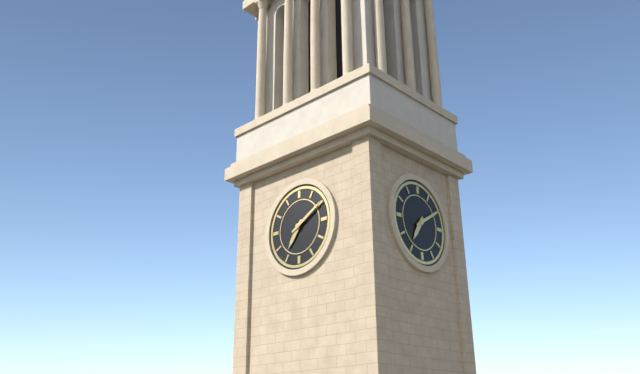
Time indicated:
**7:10**
